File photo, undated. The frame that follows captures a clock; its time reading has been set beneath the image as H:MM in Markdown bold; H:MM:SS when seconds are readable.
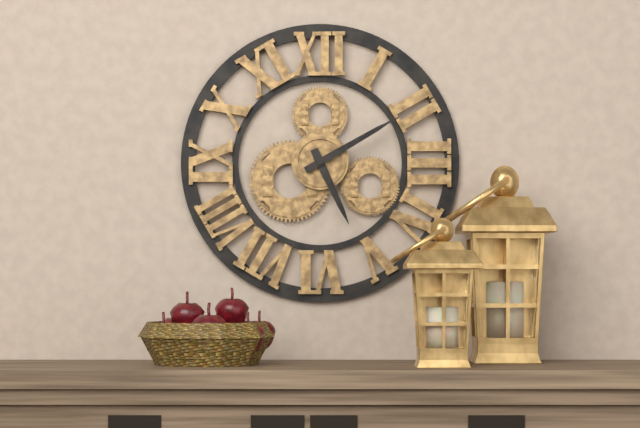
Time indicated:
**5:10**
